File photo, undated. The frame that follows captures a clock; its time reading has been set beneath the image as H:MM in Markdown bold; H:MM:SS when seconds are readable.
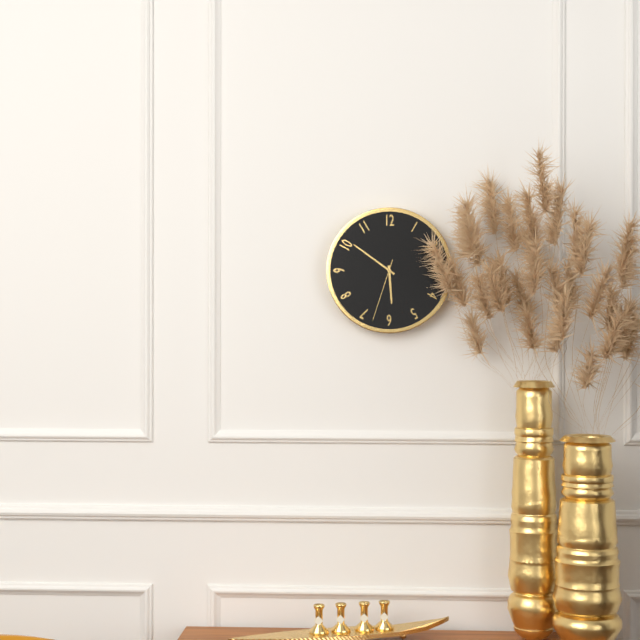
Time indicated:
**5:51:33**
